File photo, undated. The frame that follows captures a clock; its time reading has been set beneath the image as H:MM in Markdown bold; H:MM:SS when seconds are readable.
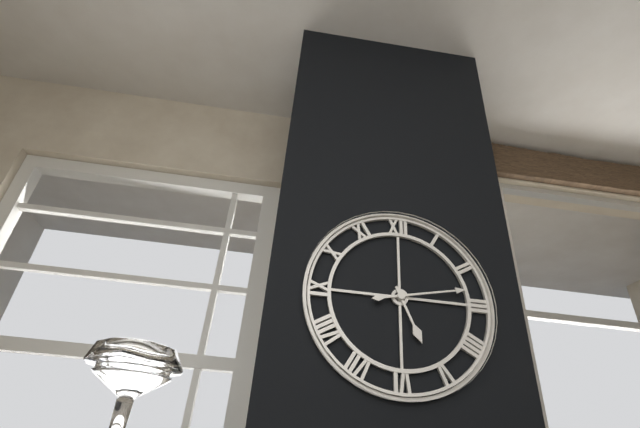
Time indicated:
**5:13**
